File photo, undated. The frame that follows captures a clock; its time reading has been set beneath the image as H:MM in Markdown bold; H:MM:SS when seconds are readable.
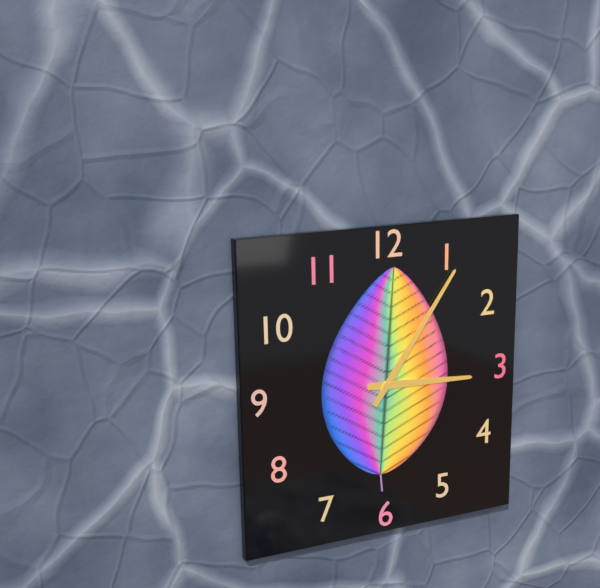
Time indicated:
**3:06**
